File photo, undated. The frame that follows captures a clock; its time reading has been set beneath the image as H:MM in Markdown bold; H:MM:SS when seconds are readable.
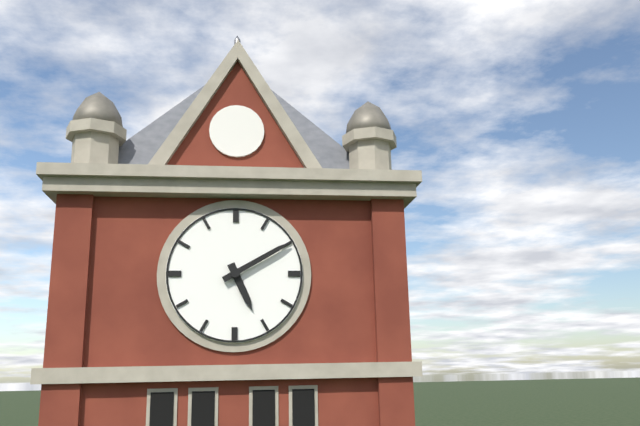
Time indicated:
**5:10**
